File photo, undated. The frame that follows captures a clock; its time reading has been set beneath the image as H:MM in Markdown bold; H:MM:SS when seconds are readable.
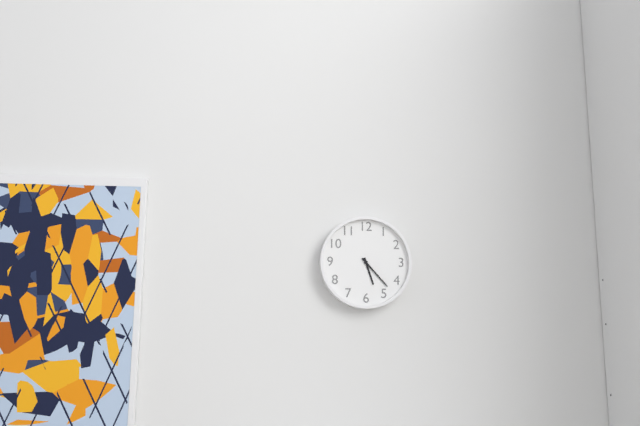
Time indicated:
**5:23**
